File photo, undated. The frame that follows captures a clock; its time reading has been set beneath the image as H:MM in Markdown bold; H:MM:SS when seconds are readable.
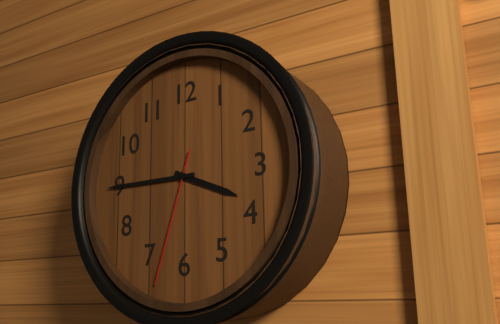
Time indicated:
**3:45:33**
